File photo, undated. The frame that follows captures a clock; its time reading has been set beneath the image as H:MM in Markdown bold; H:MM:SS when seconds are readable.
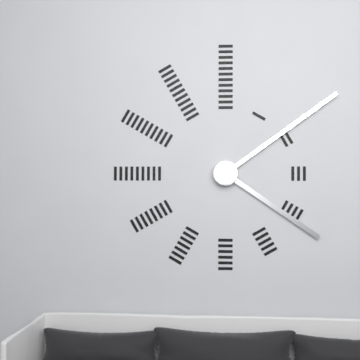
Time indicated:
**4:09**
